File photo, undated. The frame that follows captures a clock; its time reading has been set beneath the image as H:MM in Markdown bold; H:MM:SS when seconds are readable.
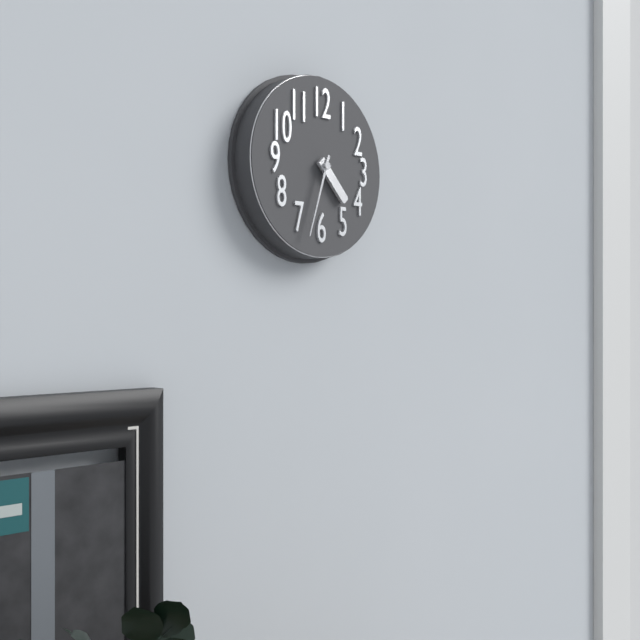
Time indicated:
**4:33**
